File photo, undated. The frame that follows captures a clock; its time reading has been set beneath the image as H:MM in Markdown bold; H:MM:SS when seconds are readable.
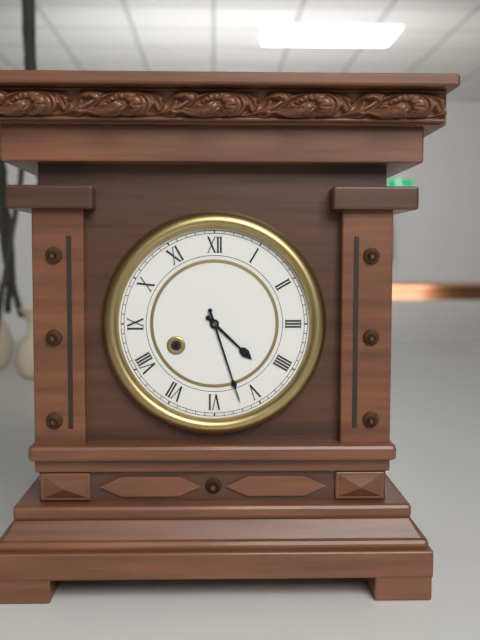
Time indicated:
**4:27**
